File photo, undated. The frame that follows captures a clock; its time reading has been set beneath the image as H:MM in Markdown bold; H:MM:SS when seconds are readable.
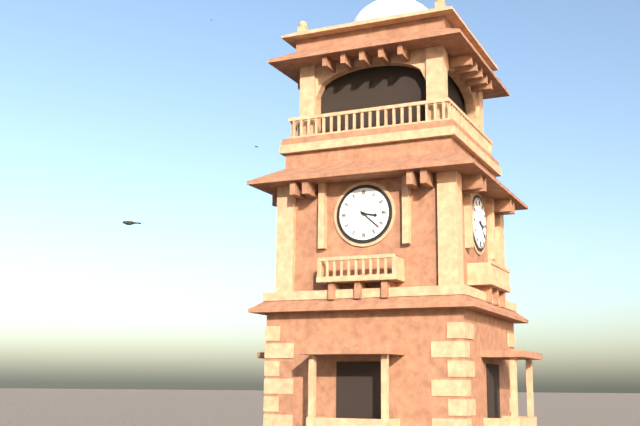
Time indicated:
**3:22**
